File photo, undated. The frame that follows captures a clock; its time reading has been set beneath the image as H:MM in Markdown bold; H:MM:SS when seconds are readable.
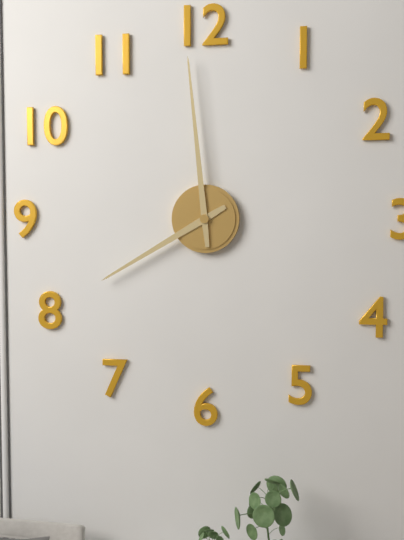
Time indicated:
**7:59**
